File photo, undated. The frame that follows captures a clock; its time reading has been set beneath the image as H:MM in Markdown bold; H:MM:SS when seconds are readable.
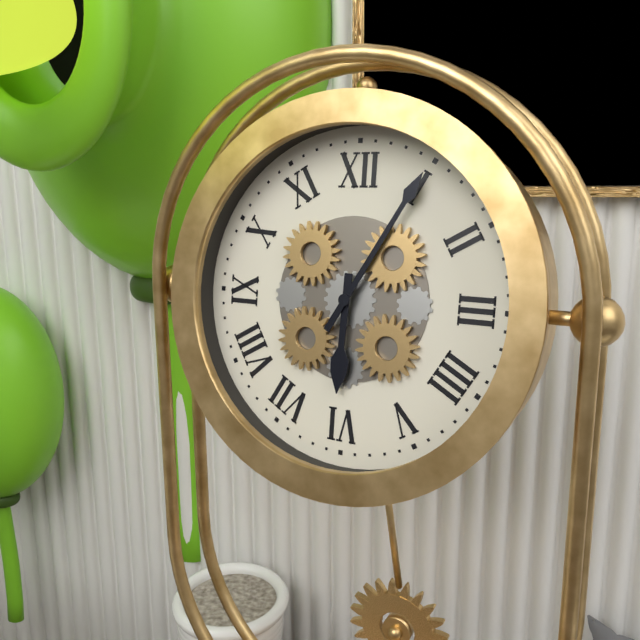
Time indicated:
**6:05**
